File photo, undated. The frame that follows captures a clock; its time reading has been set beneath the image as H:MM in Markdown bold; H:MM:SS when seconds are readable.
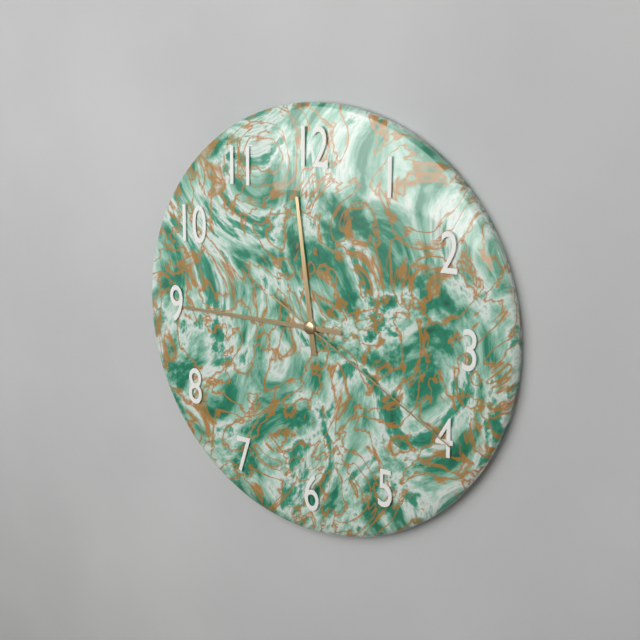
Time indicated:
**11:45:20**
